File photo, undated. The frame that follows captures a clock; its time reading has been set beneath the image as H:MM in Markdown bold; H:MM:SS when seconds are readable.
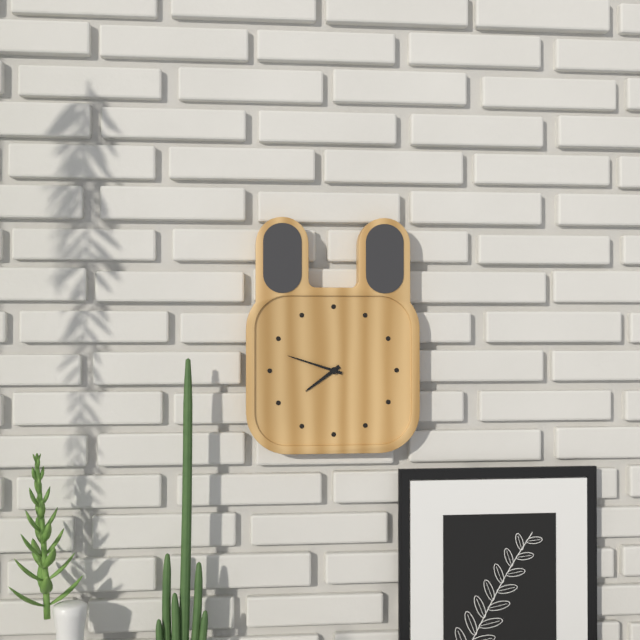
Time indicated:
**7:48**
